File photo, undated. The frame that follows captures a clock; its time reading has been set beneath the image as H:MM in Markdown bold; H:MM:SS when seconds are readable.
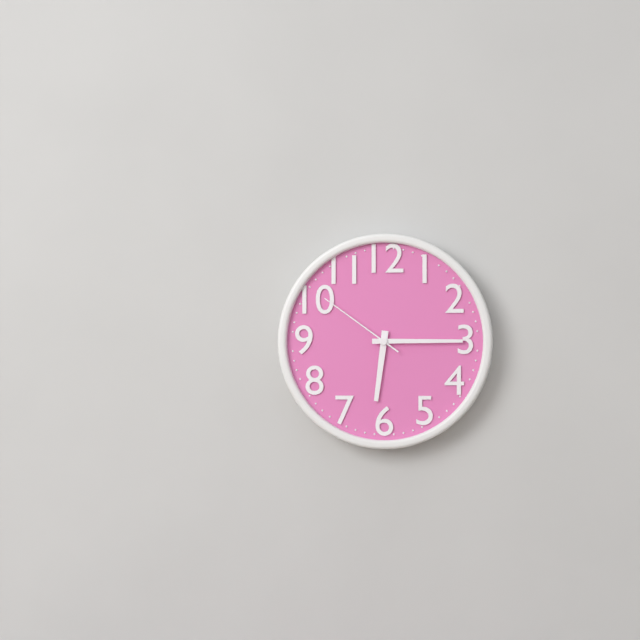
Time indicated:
**6:15:51**
